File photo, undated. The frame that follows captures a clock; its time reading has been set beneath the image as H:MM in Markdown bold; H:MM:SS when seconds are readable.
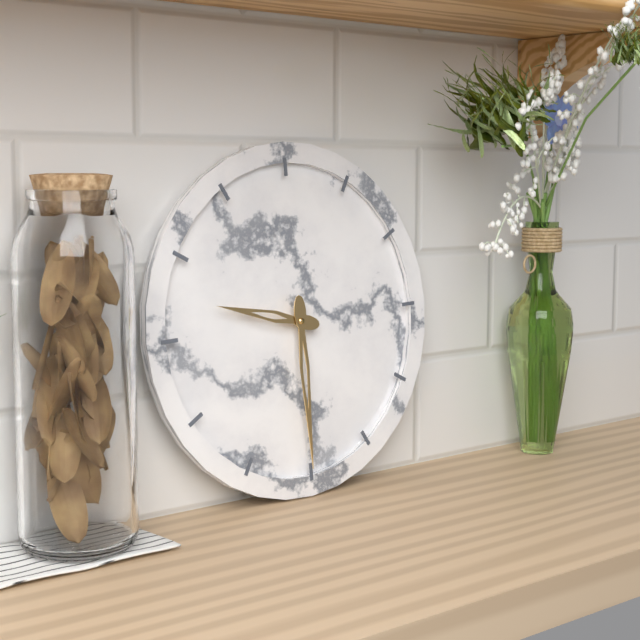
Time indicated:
**9:30**
